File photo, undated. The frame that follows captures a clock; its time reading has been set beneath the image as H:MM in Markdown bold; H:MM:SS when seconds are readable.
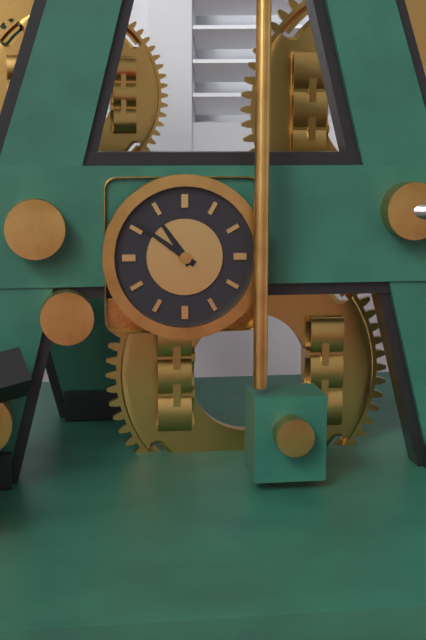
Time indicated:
**10:51**
